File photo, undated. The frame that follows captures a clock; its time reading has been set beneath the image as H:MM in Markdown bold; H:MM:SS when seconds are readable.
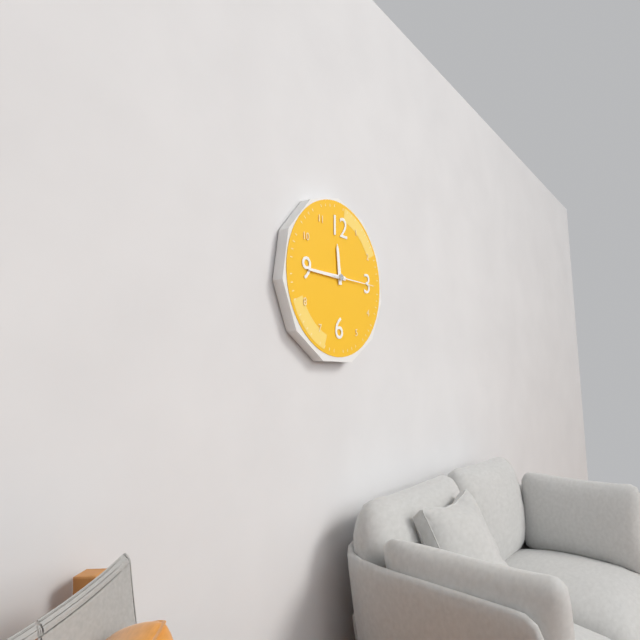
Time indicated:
**11:45**
